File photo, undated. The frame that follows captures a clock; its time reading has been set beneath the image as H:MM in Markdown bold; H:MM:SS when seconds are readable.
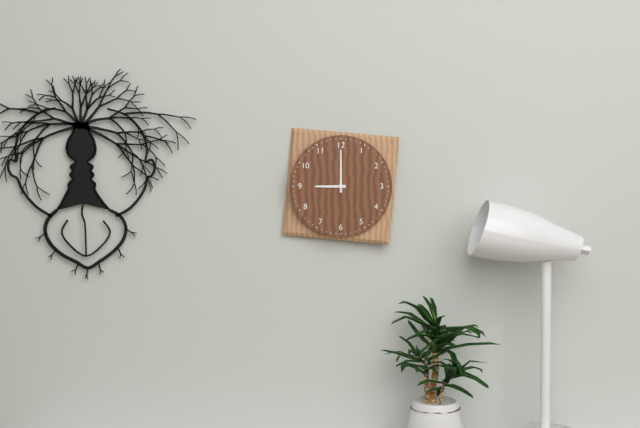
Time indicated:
**9:00**
